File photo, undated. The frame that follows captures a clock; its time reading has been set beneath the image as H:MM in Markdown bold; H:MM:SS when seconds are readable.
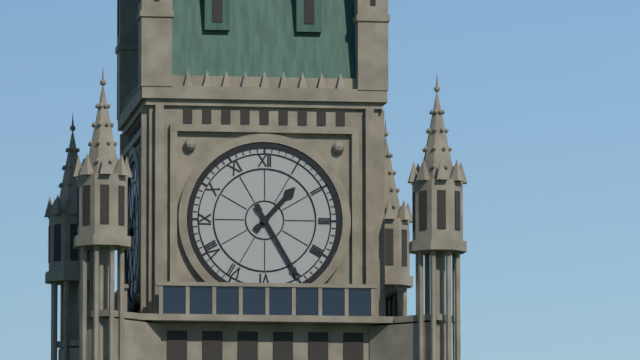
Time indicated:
**1:25**
